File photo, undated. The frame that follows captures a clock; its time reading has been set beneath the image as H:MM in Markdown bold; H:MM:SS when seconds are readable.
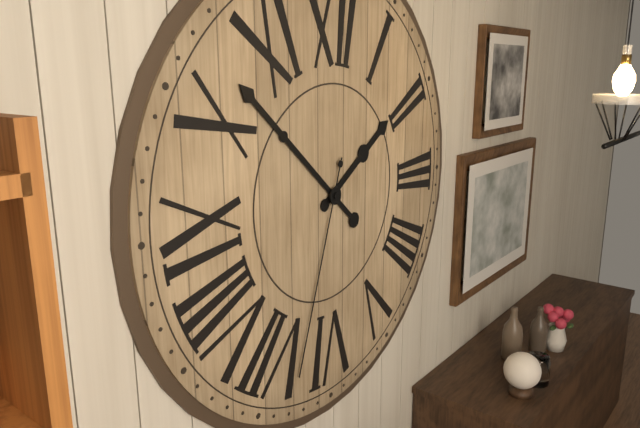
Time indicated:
**1:52:33**
